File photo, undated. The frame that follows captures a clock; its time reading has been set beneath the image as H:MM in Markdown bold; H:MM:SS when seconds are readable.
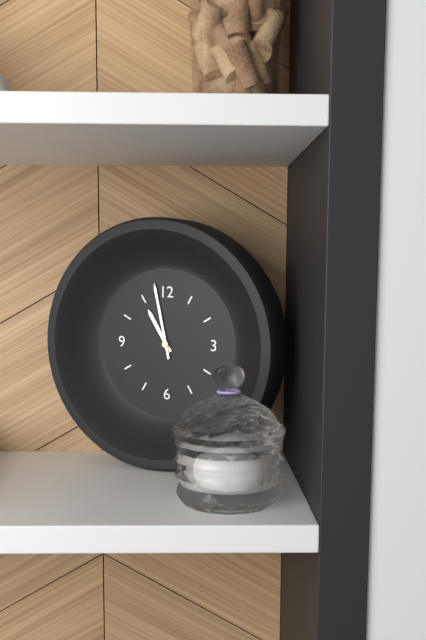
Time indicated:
**10:58**
